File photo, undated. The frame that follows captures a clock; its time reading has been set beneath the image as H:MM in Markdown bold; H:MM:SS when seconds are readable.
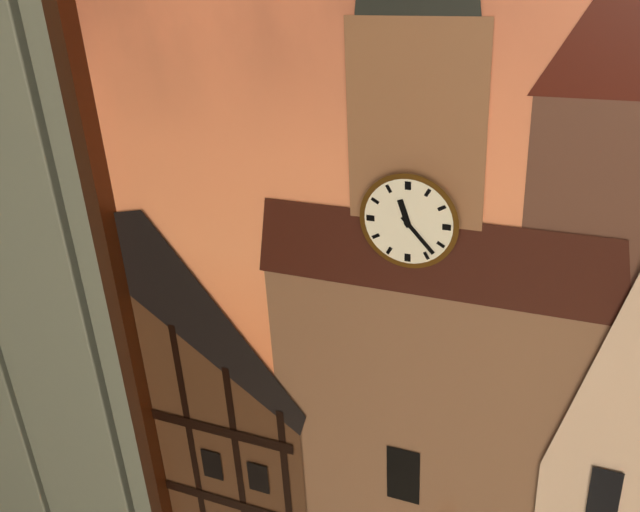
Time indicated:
**11:23**
